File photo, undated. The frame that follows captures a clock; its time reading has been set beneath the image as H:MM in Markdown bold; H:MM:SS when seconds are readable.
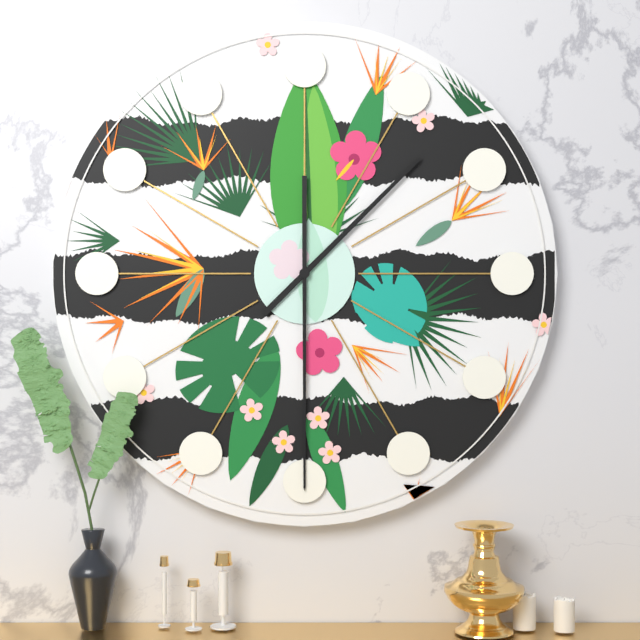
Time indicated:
**1:30**
